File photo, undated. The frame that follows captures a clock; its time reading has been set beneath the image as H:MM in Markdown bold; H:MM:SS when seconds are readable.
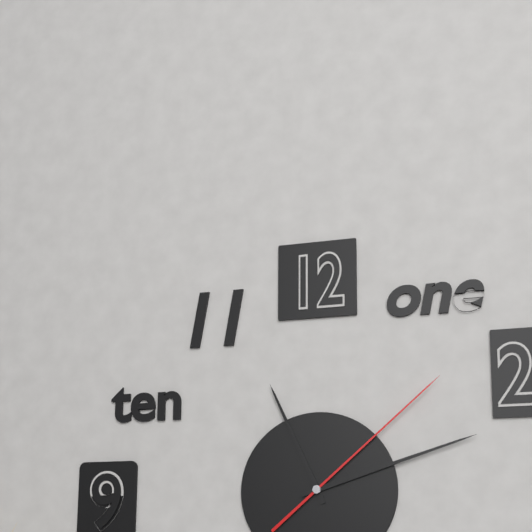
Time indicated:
**11:12:08**
